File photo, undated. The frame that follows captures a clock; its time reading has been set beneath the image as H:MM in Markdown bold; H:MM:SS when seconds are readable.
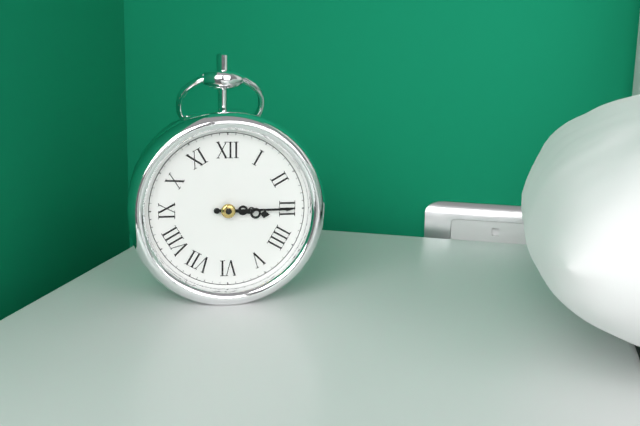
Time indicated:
**3:15**
